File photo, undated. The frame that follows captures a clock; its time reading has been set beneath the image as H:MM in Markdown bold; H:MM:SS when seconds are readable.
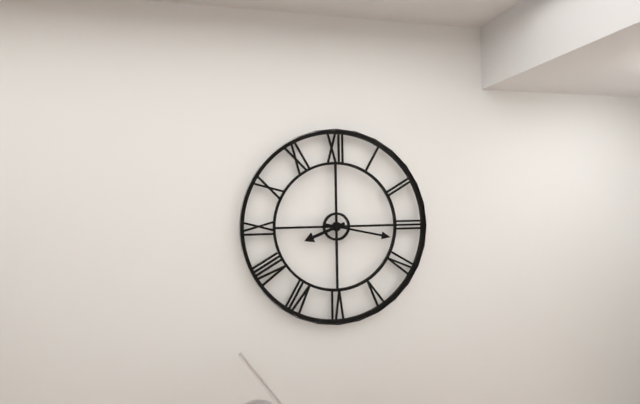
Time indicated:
**8:17**
